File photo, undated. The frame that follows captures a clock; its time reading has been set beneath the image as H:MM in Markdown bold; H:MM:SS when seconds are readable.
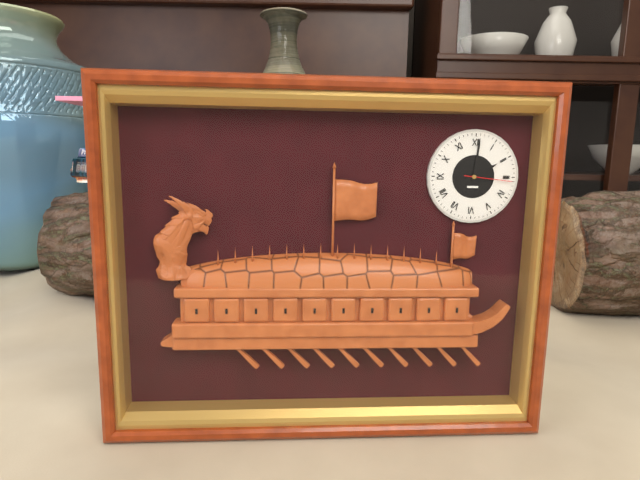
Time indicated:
**2:01**
